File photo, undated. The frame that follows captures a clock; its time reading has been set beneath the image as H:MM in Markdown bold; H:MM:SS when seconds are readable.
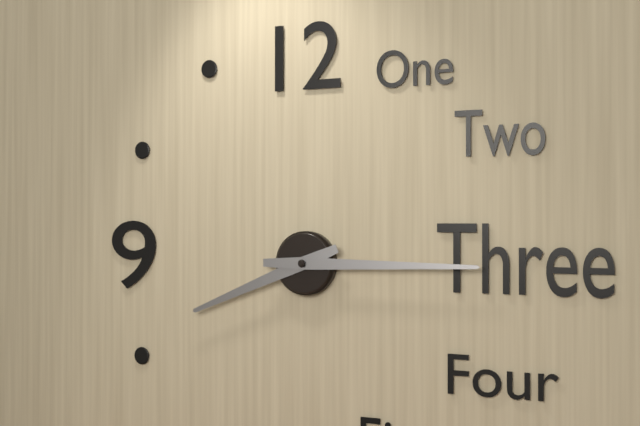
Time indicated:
**8:15**
